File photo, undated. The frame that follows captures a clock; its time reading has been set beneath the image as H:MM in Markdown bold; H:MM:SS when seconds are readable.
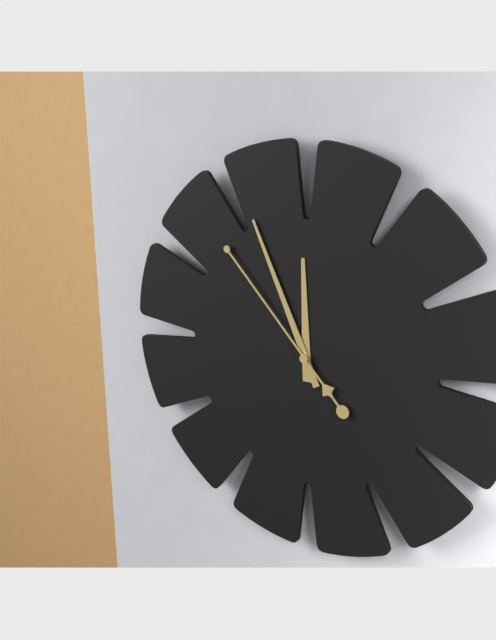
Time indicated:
**11:56:53**
